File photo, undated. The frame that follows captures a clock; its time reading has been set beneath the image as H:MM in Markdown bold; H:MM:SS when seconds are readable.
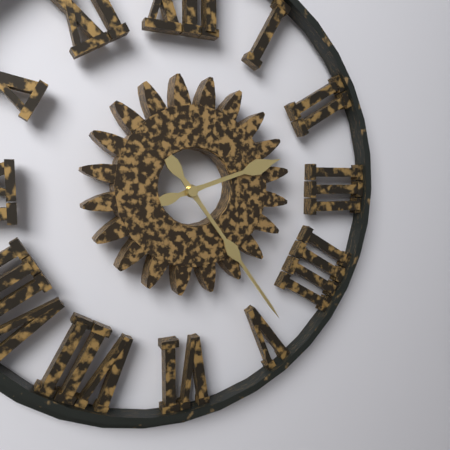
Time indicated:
**2:24**
